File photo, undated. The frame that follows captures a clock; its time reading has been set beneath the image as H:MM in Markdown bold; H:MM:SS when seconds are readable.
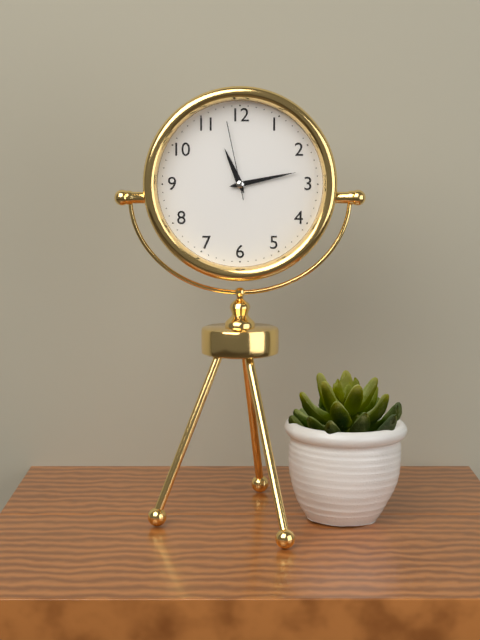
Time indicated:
**11:13:58**
